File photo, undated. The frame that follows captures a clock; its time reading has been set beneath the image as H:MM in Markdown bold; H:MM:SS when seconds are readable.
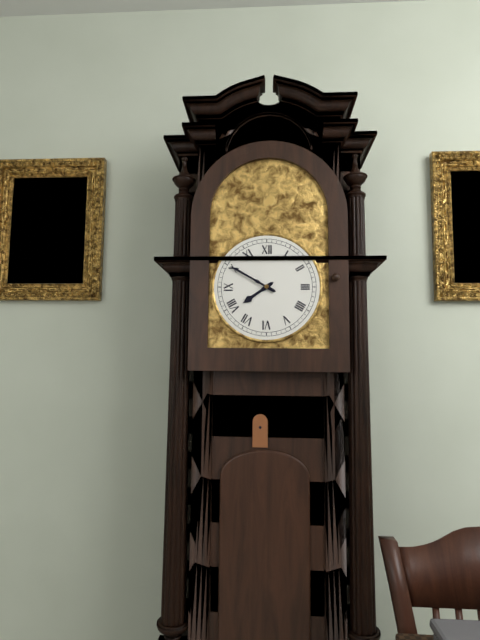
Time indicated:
**7:50**
